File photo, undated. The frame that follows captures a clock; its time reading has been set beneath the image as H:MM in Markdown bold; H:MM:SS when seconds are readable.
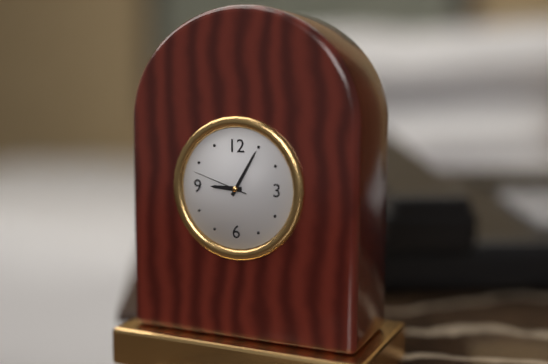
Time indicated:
**9:05:48**
